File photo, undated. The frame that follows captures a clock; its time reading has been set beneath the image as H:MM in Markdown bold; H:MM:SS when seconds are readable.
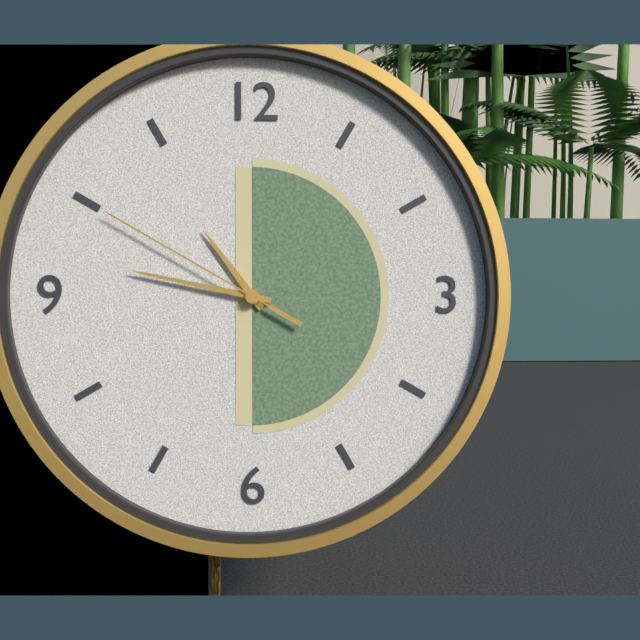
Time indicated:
**10:47:50**
